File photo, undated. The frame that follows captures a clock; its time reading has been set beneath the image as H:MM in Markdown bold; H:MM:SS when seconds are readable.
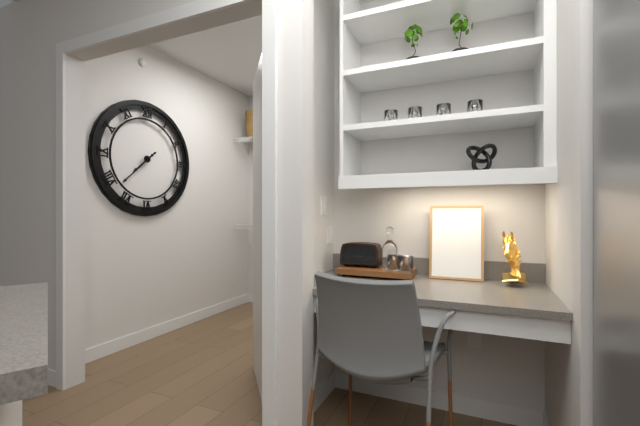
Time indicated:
**7:38**
